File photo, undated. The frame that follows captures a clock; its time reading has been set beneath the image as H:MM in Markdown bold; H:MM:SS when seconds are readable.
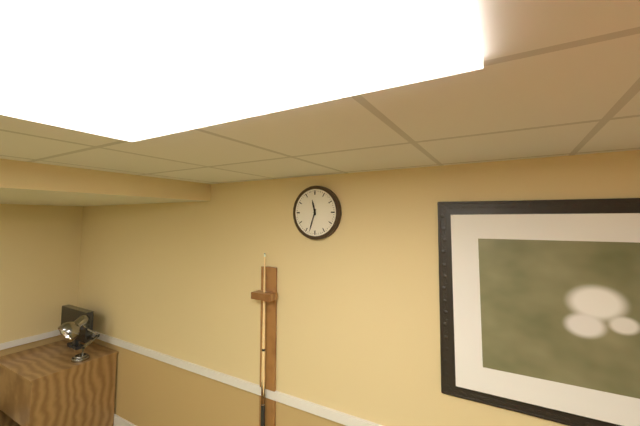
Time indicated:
**11:33**
